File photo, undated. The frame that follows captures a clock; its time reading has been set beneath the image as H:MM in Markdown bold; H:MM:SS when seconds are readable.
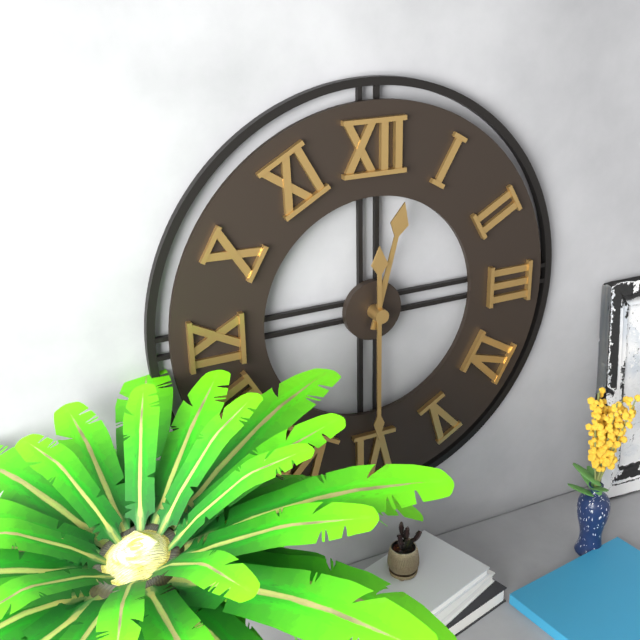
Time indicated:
**12:30**
